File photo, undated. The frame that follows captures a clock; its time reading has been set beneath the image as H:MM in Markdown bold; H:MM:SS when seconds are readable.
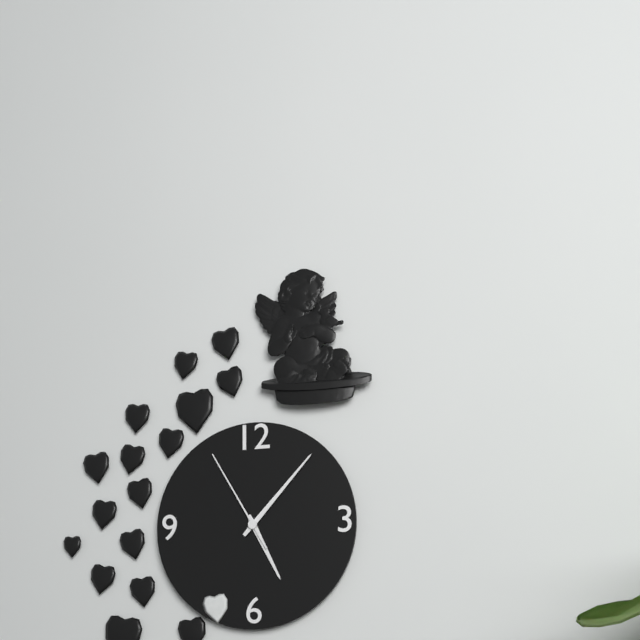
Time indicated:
**5:07:55**
